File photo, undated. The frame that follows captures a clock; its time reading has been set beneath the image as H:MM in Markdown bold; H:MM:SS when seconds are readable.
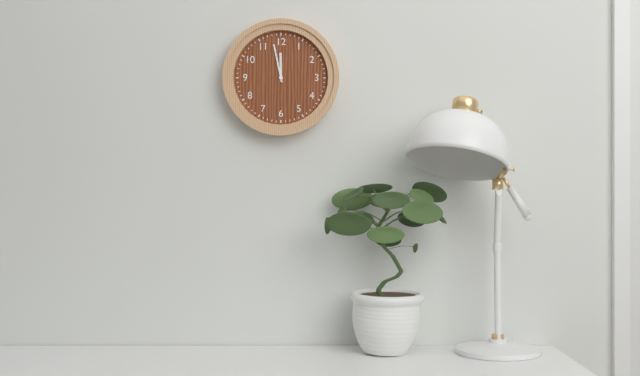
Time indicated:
**11:58**
